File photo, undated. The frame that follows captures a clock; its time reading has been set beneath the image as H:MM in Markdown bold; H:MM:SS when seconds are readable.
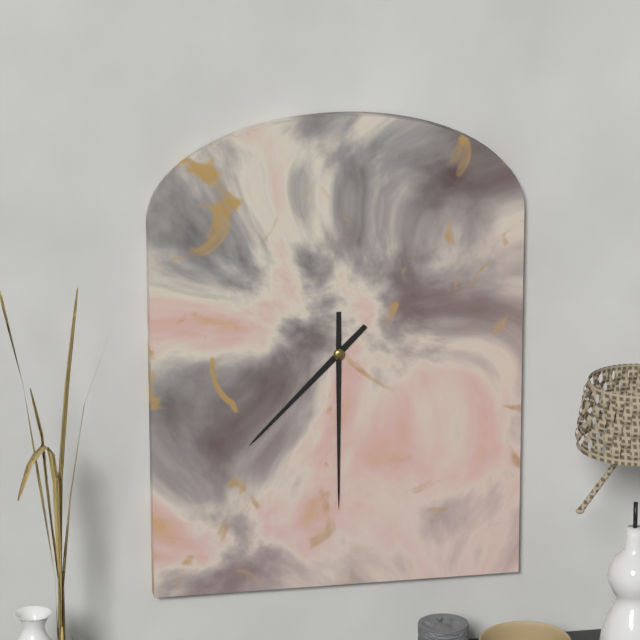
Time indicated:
**7:30**
